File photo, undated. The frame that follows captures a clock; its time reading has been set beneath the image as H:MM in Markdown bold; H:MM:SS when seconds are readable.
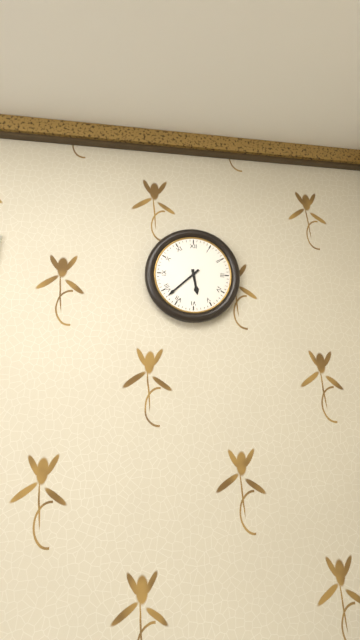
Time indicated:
**5:38**
